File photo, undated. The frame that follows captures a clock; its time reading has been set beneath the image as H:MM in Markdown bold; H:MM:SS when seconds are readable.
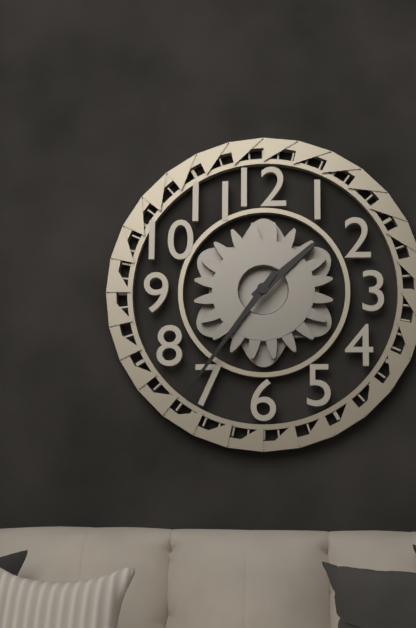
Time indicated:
**1:36**
